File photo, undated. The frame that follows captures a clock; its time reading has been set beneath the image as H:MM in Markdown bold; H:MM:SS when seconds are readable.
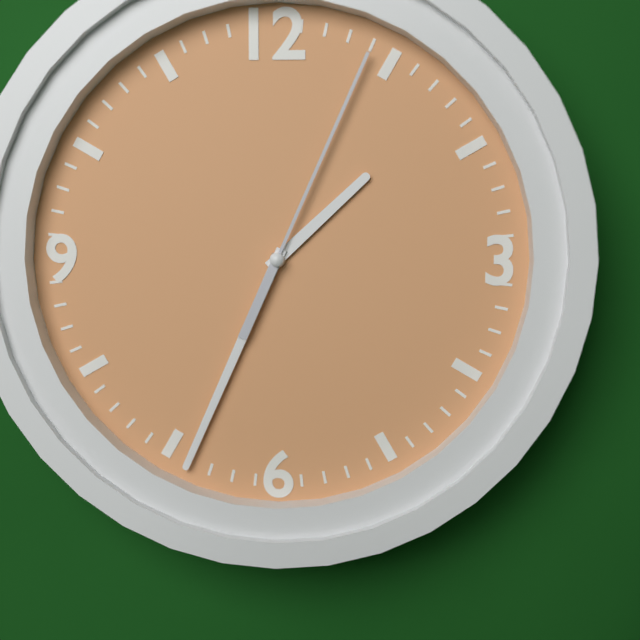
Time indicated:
**1:34:04**
